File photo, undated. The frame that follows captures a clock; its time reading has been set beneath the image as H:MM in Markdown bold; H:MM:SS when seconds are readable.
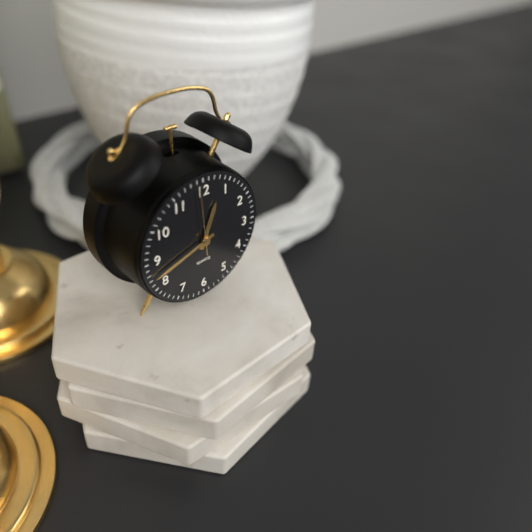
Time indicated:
**12:42:59**
